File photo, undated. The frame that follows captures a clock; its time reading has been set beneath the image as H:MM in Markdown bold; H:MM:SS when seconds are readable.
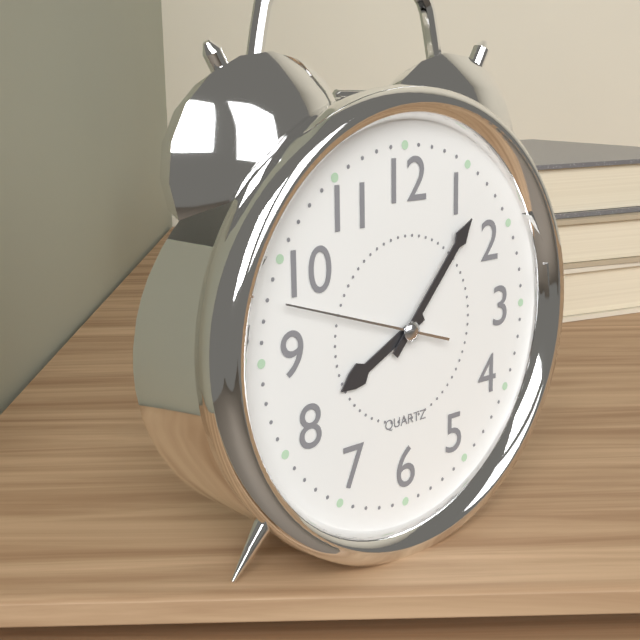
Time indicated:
**8:07:48**
